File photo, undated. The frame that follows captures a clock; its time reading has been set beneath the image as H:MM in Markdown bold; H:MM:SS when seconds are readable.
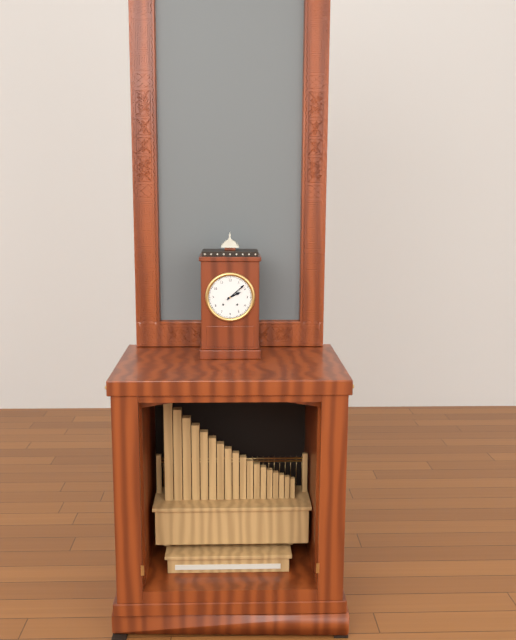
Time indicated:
**2:08**
